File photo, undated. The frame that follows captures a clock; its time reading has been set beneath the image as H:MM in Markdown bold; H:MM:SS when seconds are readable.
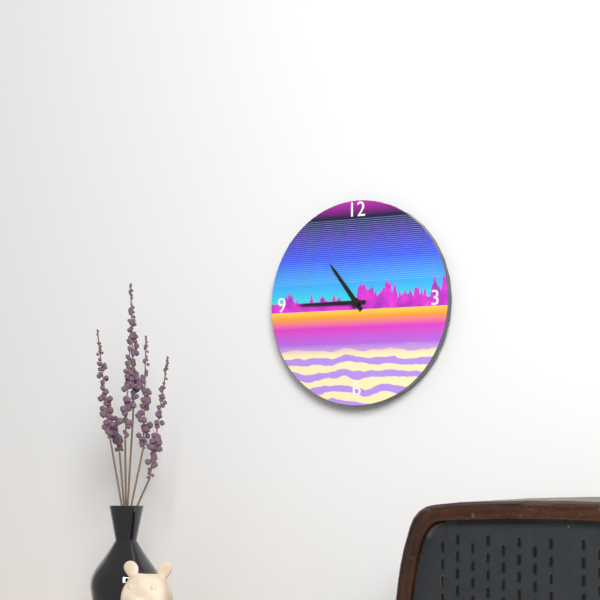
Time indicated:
**10:45**
